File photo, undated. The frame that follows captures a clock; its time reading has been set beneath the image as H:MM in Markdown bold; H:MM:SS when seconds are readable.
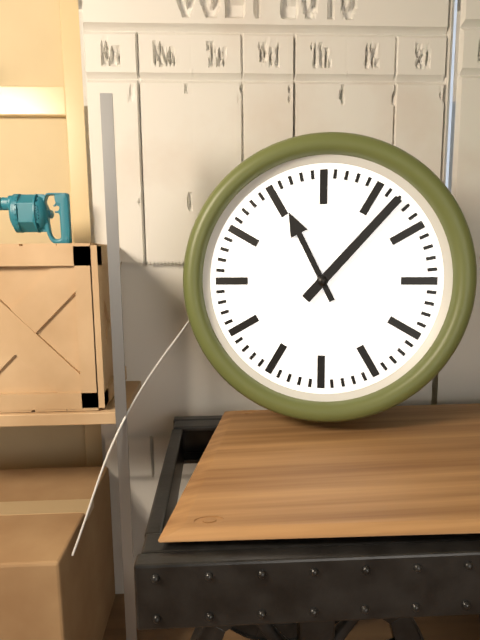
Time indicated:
**11:07**
